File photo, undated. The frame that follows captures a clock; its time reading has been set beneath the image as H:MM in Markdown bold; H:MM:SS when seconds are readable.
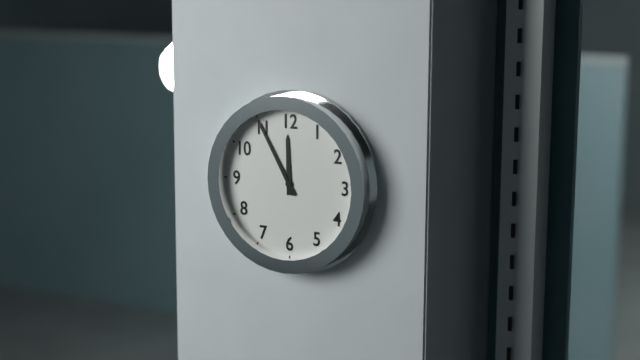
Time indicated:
**11:55**
